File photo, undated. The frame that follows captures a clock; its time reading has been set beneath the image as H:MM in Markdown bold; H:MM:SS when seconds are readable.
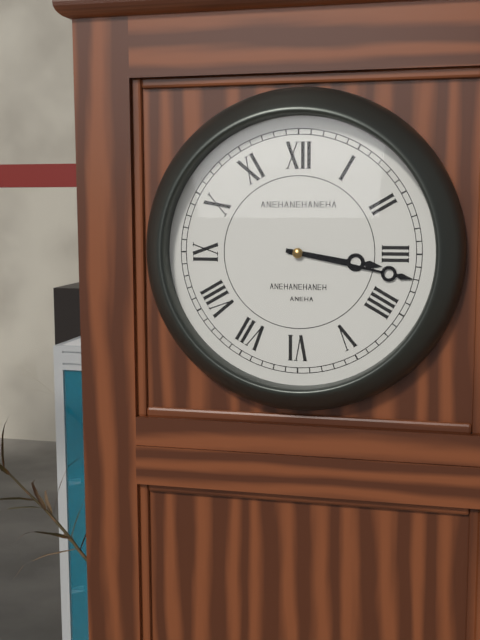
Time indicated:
**3:17**
